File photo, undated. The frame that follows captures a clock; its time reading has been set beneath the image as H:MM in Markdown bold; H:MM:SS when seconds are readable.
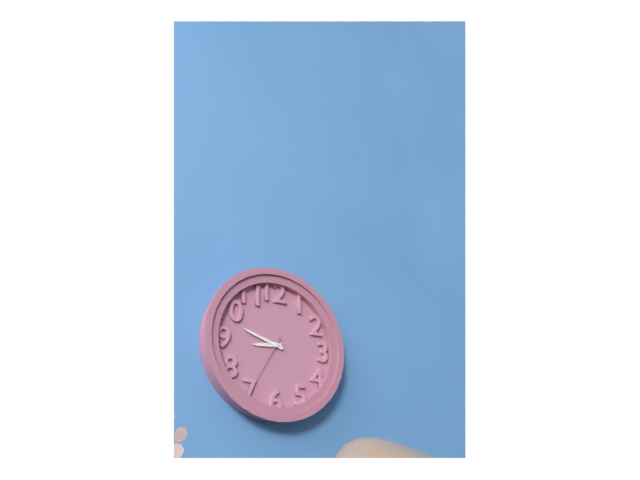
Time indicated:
**8:48**
